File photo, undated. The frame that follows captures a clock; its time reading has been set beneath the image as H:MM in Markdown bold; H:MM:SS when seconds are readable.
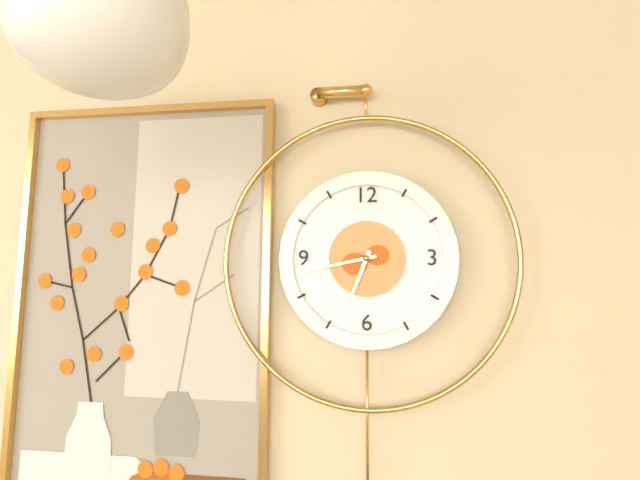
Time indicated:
**6:43**
